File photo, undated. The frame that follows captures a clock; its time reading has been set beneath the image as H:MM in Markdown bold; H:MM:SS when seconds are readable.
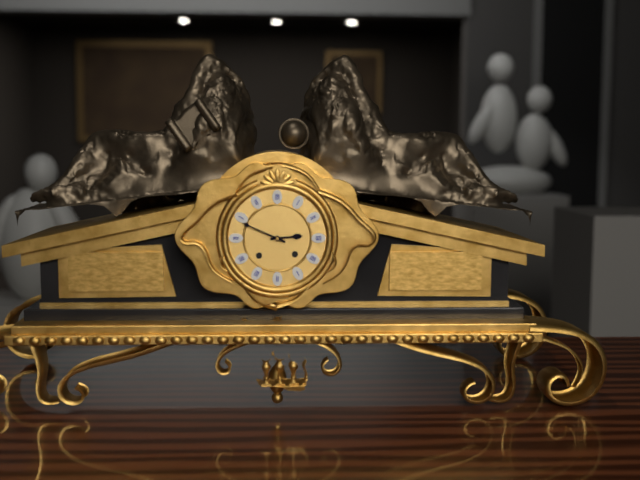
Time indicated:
**2:49**
